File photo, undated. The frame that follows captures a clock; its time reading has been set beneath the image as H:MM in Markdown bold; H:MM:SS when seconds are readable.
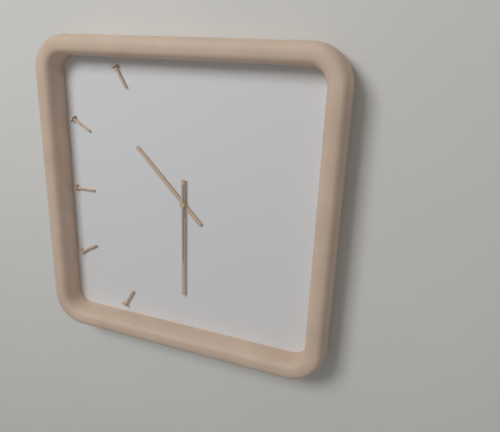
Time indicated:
**10:30:30**
